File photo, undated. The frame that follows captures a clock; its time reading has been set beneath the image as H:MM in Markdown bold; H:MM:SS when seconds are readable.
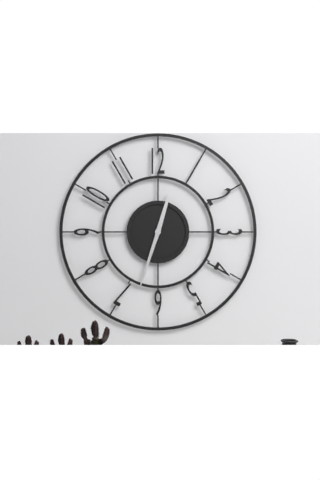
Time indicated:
**12:33**
